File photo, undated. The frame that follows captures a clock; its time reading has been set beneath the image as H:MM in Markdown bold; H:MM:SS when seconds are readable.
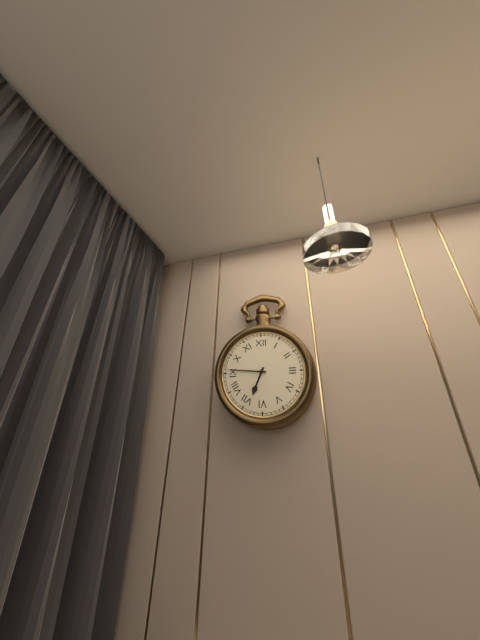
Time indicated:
**6:46**
